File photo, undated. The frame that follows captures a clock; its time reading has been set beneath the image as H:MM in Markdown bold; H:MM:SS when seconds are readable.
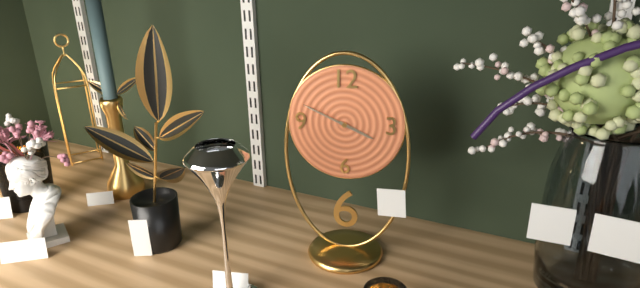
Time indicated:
**3:49**
